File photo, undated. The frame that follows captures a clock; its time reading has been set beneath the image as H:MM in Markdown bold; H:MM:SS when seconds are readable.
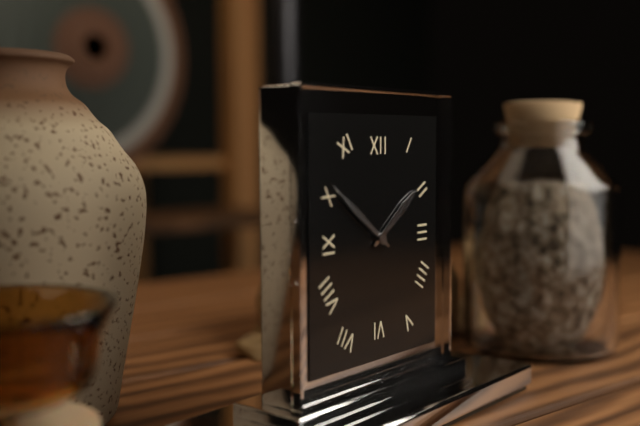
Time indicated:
**1:51**
